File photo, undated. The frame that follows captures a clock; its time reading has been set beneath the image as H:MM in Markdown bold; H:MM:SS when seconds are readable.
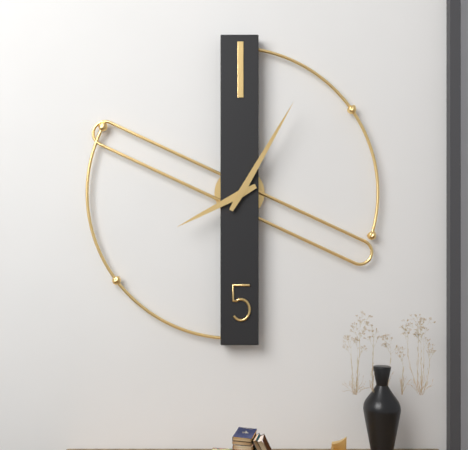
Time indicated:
**8:05**
